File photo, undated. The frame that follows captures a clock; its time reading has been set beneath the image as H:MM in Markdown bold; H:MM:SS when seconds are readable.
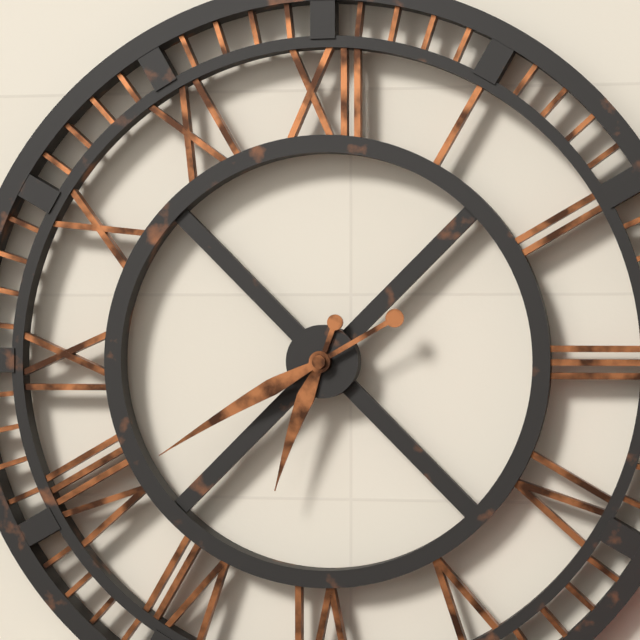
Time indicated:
**6:40**
